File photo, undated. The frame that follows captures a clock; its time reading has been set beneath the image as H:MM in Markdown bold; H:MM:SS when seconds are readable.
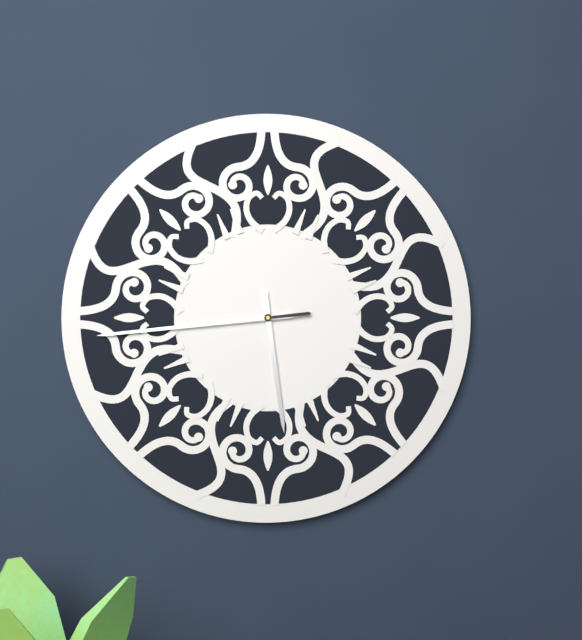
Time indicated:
**5:44:44**
